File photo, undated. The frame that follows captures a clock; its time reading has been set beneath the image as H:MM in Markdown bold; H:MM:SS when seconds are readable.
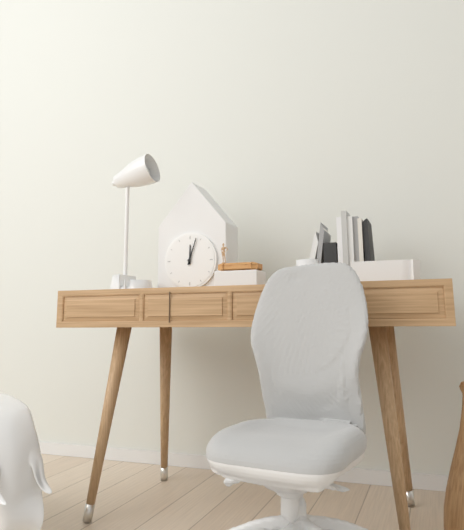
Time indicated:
**12:03**
